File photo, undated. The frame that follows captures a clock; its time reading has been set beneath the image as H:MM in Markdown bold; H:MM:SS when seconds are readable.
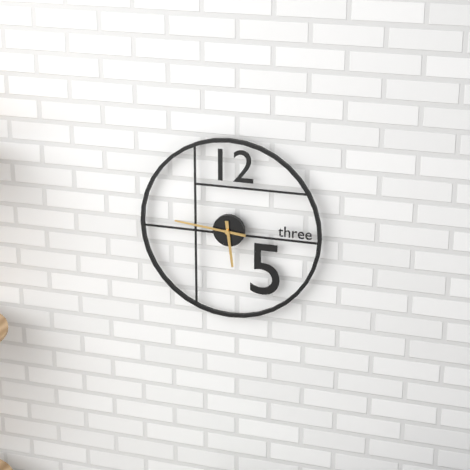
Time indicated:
**5:46**
